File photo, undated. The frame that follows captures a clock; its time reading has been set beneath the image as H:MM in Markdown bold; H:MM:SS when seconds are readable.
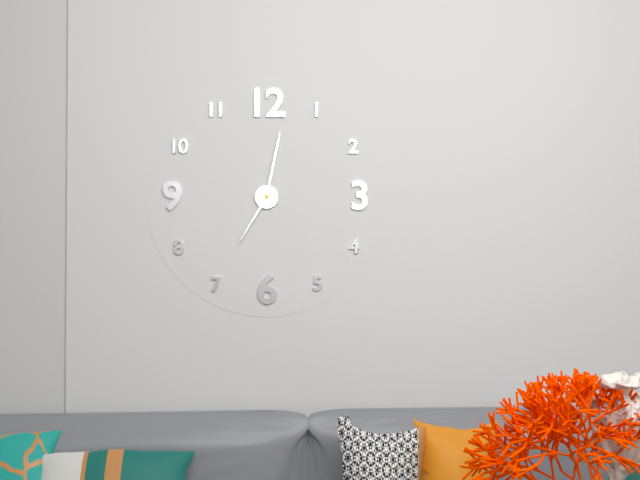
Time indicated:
**7:02**
